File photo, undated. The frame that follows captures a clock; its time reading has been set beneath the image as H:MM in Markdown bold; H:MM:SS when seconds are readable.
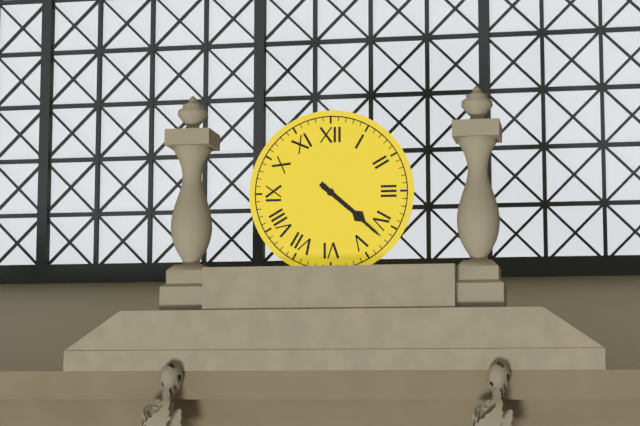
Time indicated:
**4:22**
